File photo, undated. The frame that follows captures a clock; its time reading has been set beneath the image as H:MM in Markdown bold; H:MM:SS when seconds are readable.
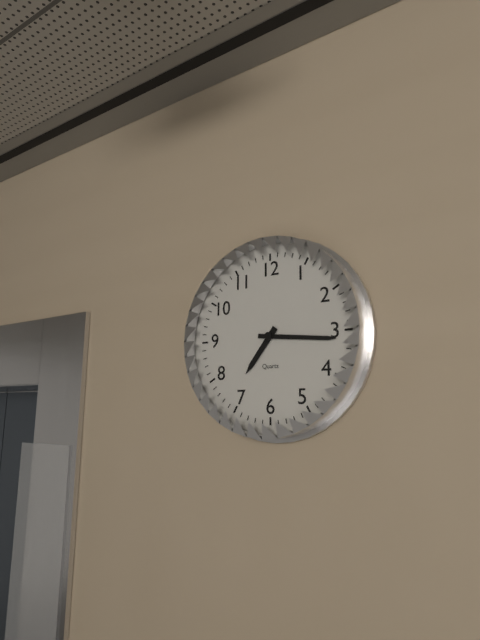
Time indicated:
**7:16**
